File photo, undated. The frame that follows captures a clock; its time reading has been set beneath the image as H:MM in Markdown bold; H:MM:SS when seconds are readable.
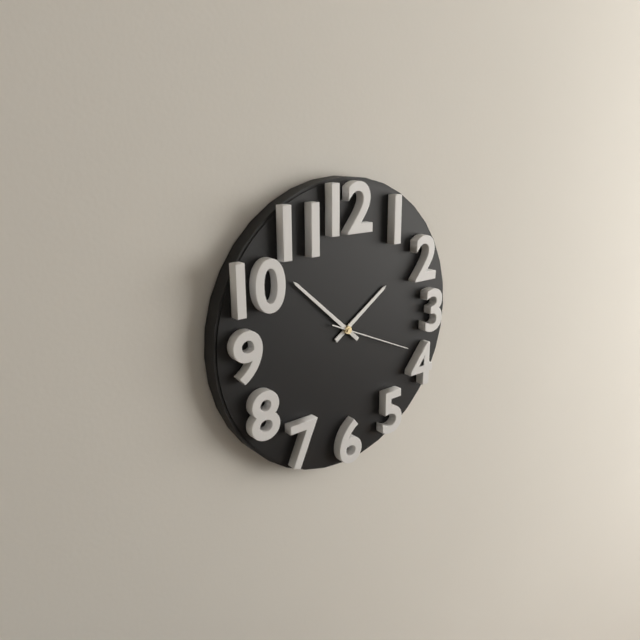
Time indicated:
**1:52:19**
